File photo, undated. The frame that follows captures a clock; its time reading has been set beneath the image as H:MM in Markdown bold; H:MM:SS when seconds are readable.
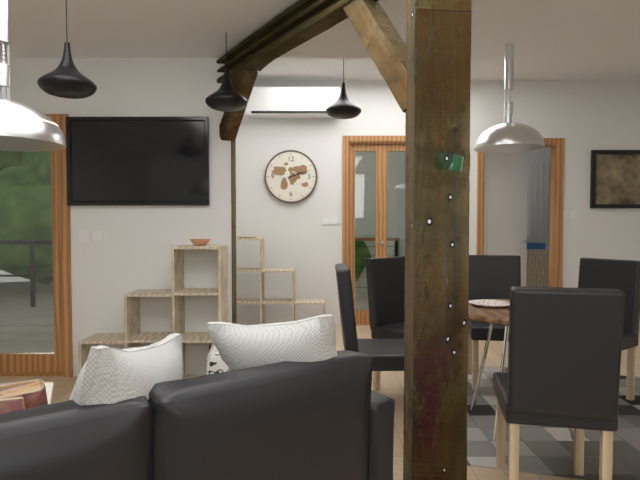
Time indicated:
**2:12**
